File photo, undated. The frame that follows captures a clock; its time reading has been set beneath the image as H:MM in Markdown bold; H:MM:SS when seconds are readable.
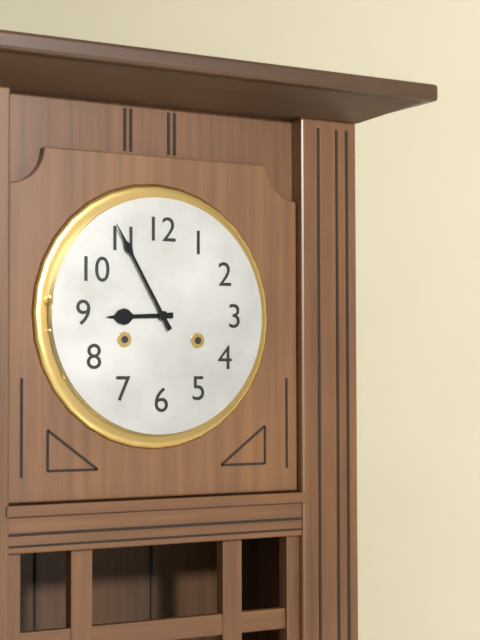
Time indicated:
**8:55**
